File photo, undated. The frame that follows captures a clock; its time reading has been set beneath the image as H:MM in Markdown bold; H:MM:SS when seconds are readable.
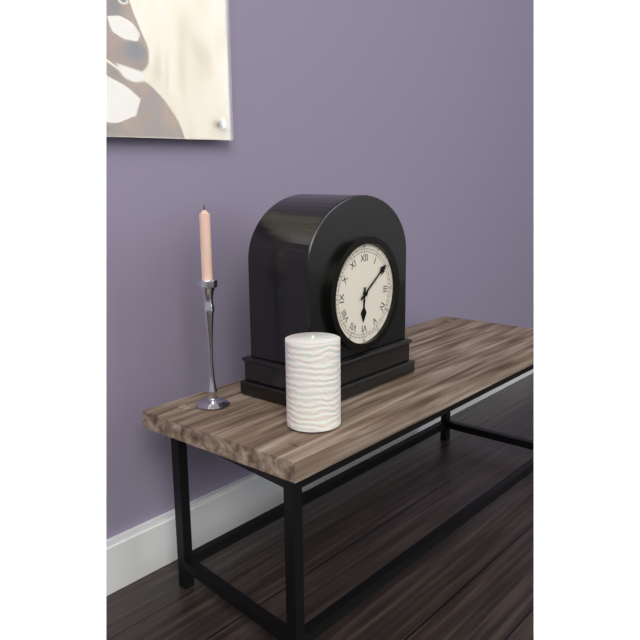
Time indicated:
**6:09**
